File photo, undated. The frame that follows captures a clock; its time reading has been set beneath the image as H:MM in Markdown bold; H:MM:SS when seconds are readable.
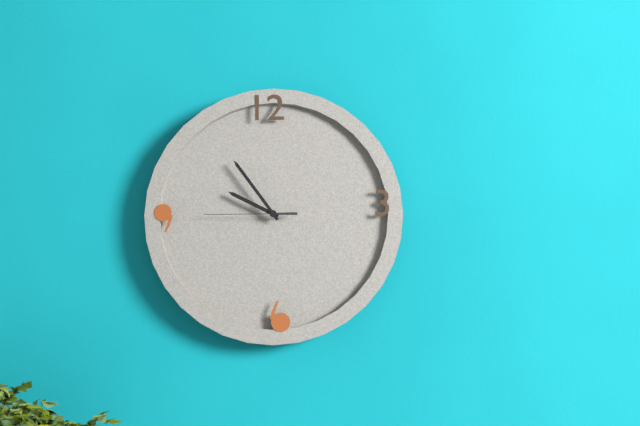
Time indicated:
**9:54:45**
